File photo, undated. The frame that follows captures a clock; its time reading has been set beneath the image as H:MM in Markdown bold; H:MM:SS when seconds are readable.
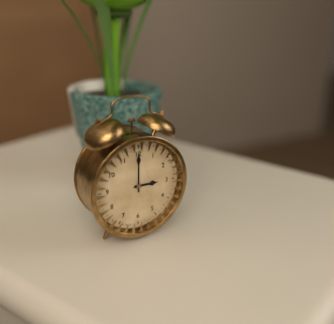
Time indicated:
**3:00**
